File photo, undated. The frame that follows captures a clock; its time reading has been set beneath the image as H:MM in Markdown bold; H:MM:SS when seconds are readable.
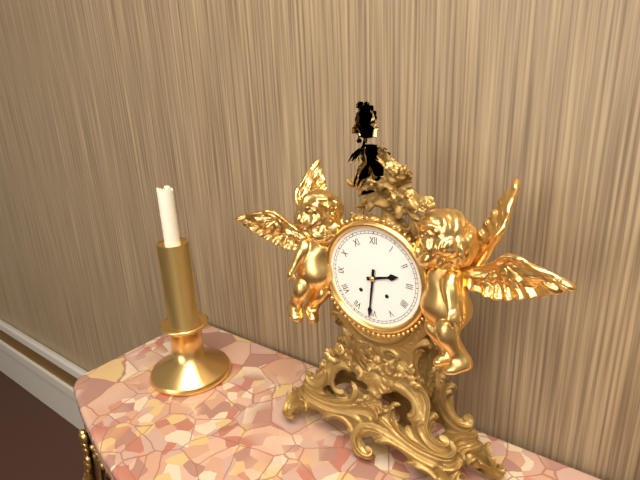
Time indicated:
**2:31**
